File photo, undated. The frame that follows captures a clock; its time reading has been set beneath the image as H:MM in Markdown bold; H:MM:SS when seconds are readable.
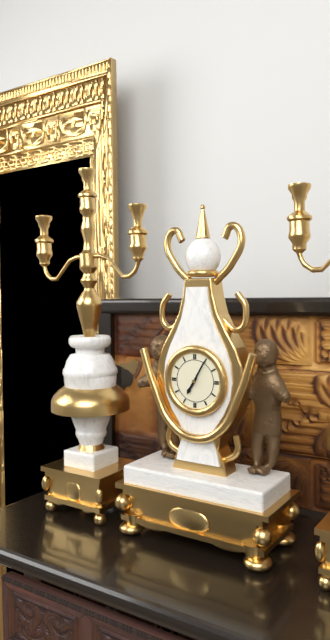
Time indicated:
**7:05**
